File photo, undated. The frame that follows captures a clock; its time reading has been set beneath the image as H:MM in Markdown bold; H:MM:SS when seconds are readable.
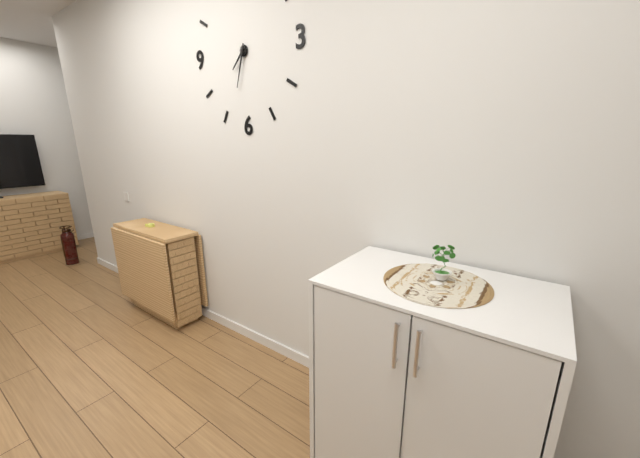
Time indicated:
**7:33**
